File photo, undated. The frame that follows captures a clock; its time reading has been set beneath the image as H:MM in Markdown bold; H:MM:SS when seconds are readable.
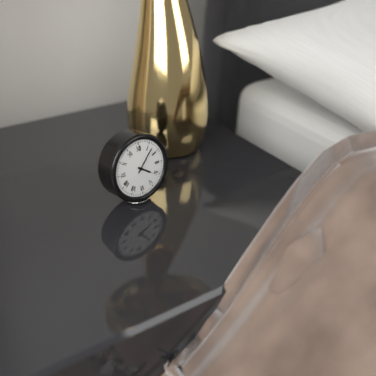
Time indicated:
**4:07**
